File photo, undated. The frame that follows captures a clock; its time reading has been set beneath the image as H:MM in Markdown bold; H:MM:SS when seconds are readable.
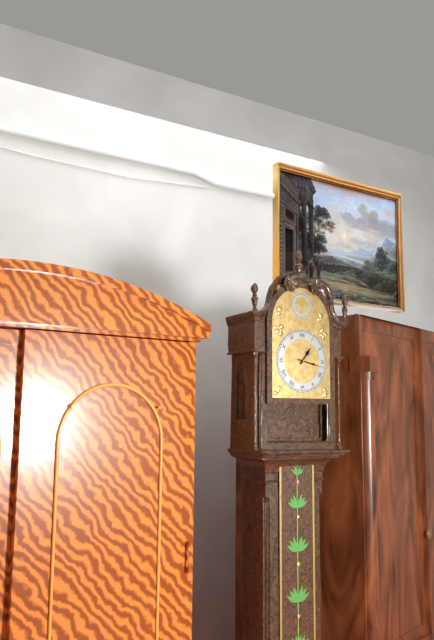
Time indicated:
**1:17**
